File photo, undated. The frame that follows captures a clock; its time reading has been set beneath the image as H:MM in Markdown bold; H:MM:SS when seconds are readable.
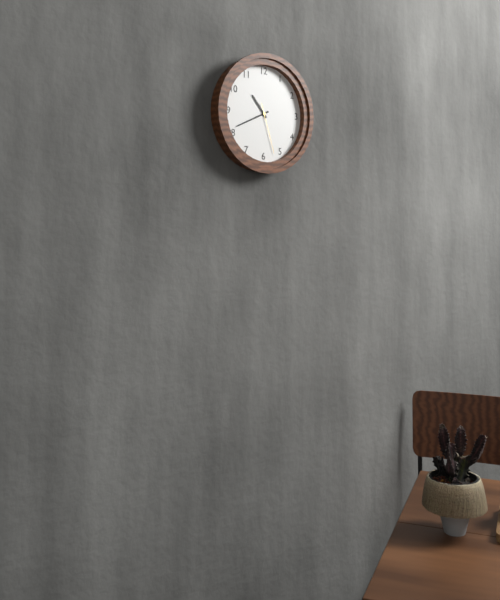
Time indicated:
**10:41:27**
